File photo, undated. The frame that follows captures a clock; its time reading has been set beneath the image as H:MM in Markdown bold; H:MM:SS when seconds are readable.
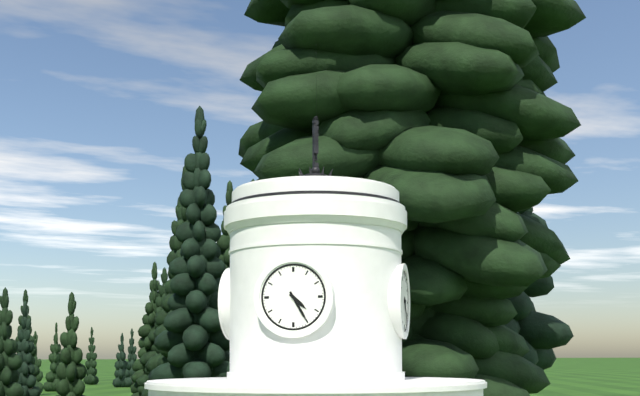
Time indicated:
**4:25**
